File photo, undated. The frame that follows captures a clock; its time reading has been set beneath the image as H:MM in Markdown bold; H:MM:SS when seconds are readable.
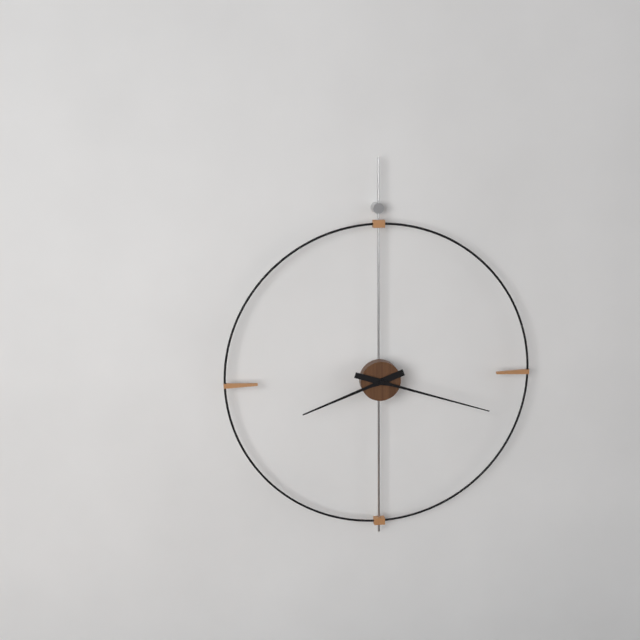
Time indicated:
**8:18**
